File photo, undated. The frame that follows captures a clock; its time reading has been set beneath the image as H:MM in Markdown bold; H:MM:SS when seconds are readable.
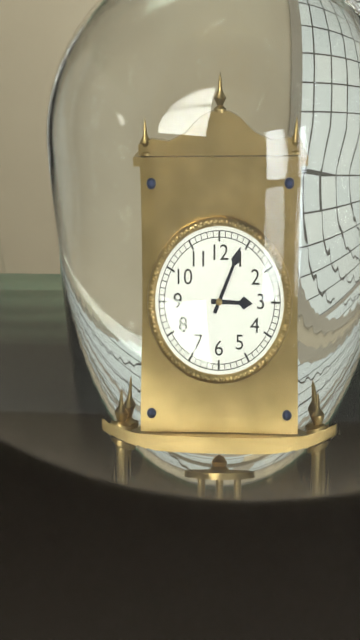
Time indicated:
**3:04**
